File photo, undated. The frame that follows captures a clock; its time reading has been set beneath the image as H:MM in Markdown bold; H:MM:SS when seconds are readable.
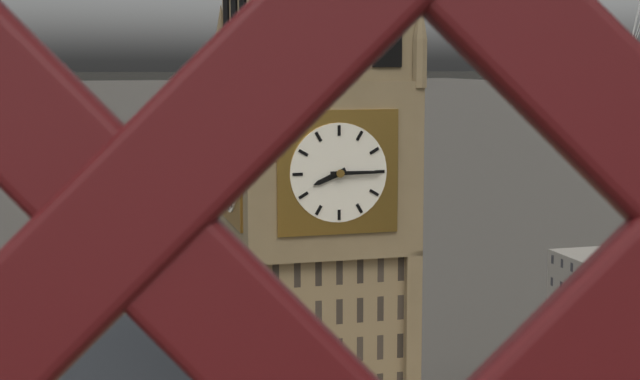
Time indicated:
**8:15**
